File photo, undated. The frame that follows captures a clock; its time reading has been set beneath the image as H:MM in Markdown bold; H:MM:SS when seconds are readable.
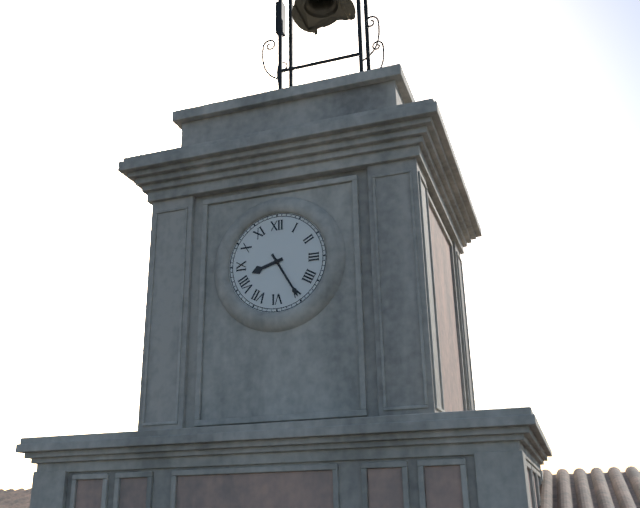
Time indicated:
**8:25**
